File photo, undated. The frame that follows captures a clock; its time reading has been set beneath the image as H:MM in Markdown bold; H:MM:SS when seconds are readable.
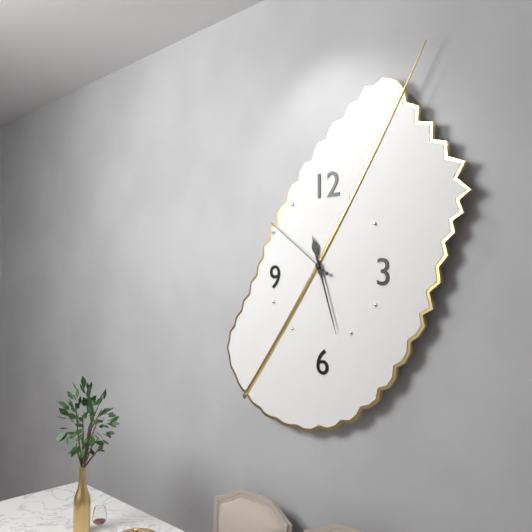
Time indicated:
**11:27:51**
